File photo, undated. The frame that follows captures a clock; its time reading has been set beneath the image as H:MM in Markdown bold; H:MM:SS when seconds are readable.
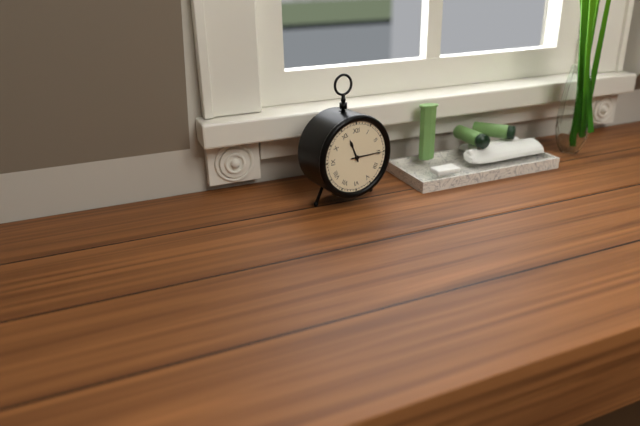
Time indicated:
**11:15**
